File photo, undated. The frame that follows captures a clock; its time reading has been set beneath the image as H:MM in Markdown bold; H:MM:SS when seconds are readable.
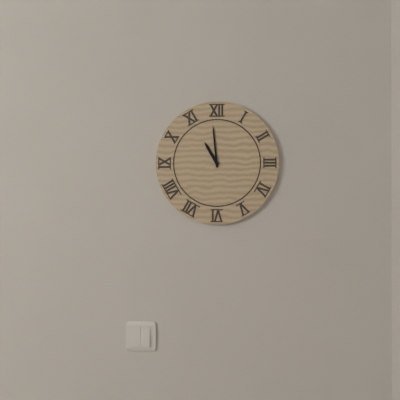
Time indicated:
**10:59**
